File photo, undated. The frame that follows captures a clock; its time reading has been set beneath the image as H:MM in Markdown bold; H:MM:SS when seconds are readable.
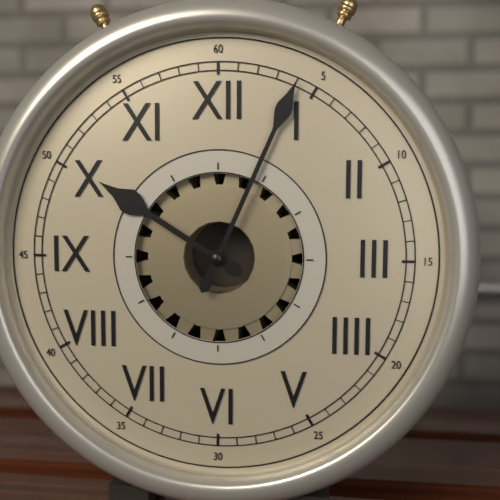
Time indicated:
**10:04**
